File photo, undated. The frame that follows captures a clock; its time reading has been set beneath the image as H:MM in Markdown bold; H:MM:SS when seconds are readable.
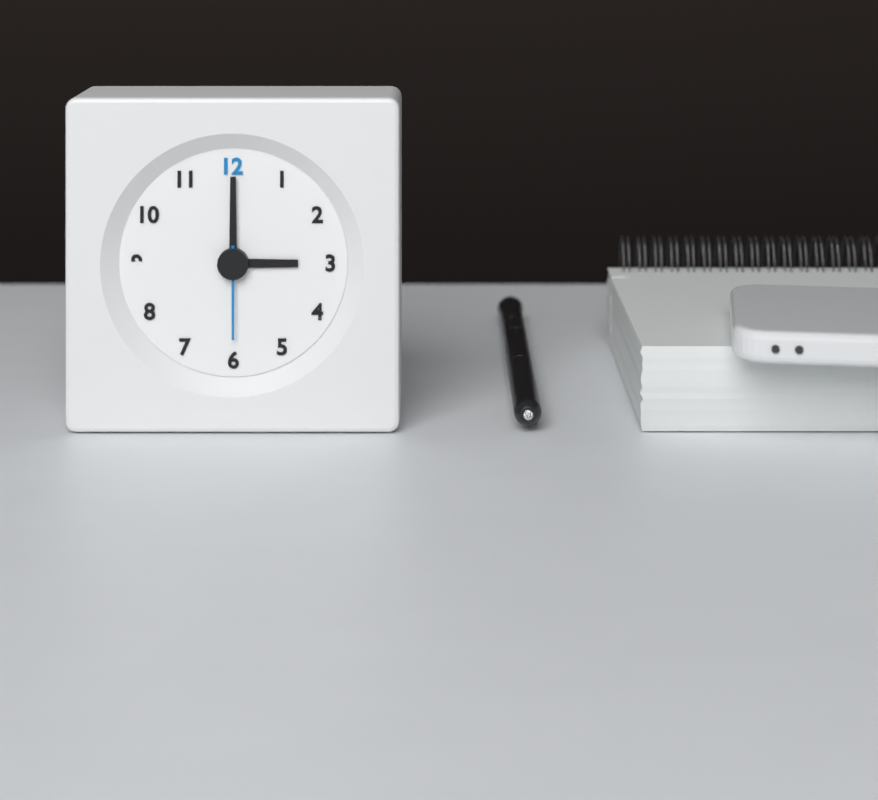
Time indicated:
**3:00:30**
